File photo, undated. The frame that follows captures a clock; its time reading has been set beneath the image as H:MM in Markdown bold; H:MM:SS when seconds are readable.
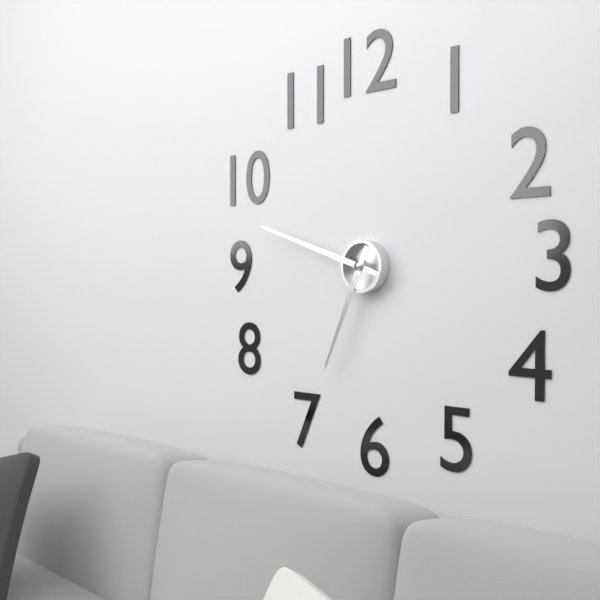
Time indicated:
**6:48**
